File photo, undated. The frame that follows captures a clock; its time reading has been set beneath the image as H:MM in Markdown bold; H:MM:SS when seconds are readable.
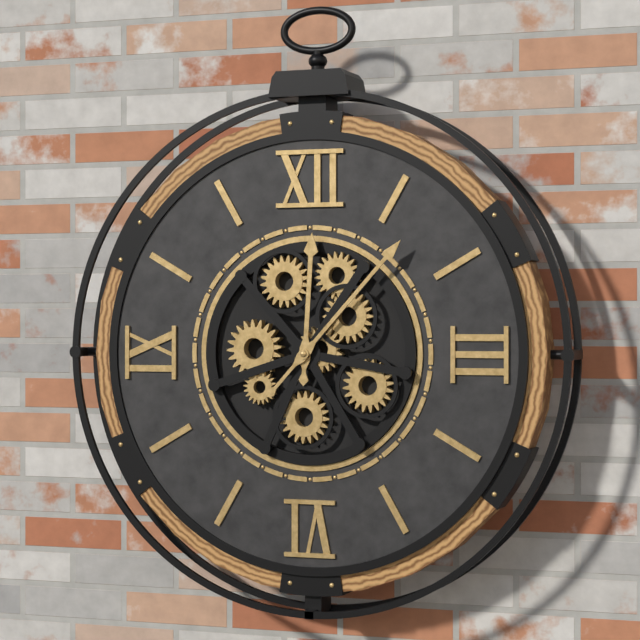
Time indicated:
**12:07**
